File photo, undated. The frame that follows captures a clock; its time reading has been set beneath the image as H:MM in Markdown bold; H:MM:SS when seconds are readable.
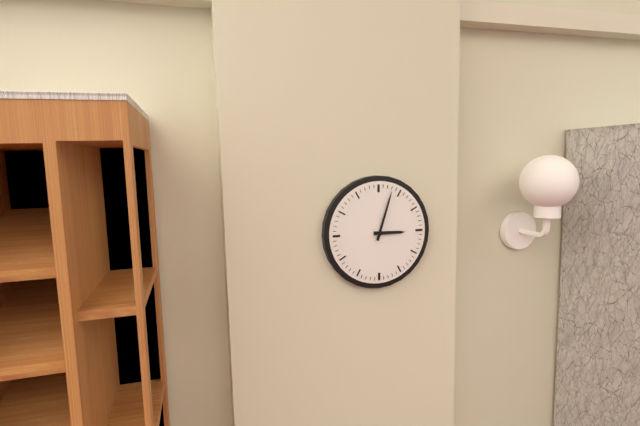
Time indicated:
**3:03**
